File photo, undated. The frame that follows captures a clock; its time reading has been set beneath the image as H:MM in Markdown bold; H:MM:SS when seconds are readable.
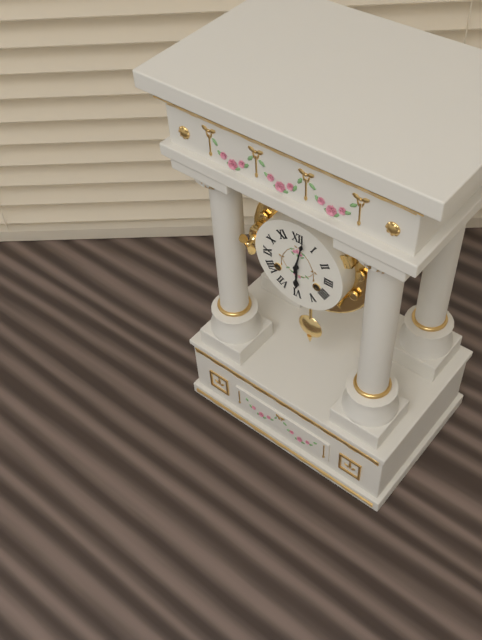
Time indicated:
**6:02**
